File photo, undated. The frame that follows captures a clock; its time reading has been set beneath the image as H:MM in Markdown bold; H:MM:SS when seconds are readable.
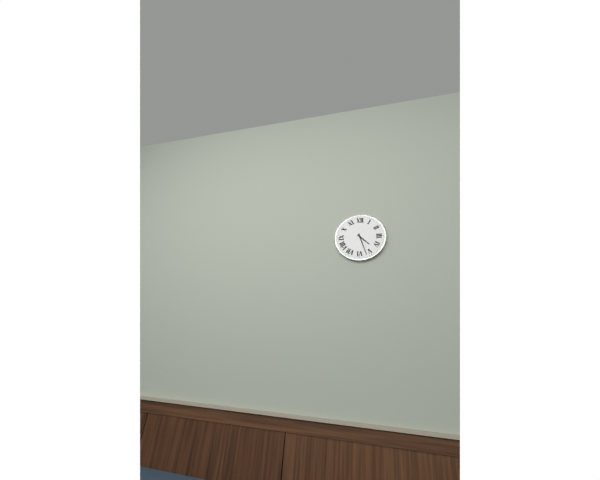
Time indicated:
**4:27**
